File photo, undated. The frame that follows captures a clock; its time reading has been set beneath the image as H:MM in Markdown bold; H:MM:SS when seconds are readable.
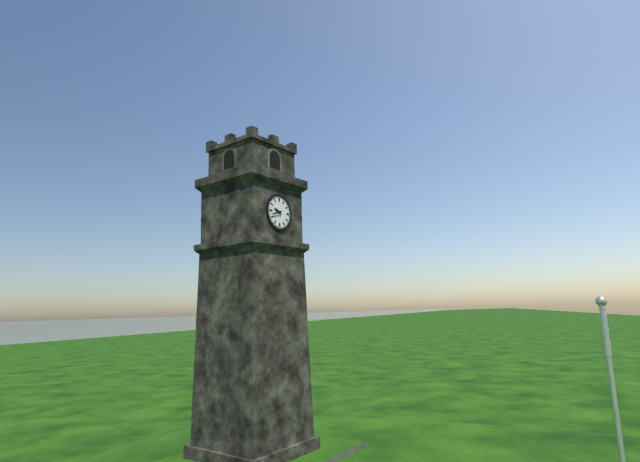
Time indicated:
**9:42**
